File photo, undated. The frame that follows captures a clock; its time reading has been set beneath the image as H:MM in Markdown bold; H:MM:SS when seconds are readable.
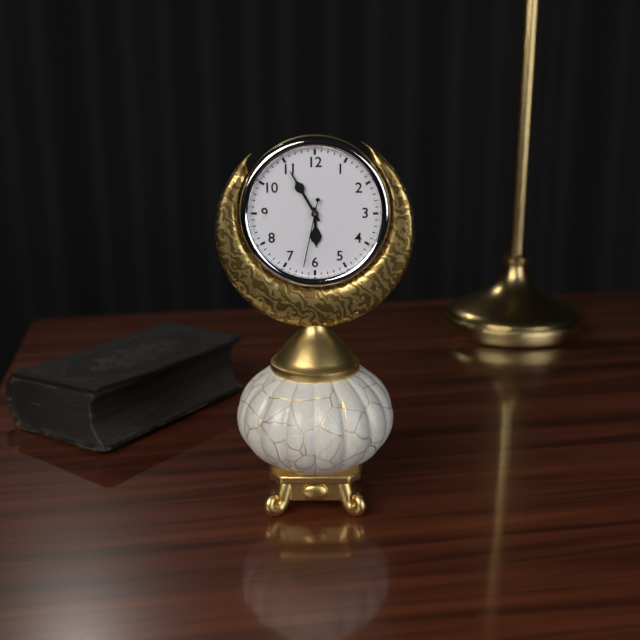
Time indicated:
**5:55:32**
